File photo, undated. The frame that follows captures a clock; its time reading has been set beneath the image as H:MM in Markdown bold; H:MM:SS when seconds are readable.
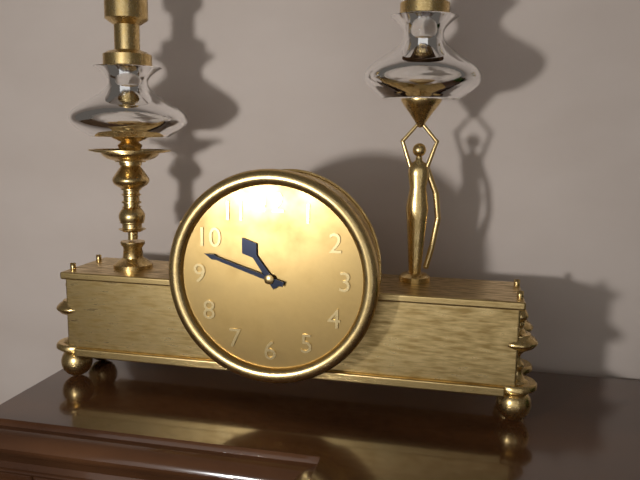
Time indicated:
**10:48**
